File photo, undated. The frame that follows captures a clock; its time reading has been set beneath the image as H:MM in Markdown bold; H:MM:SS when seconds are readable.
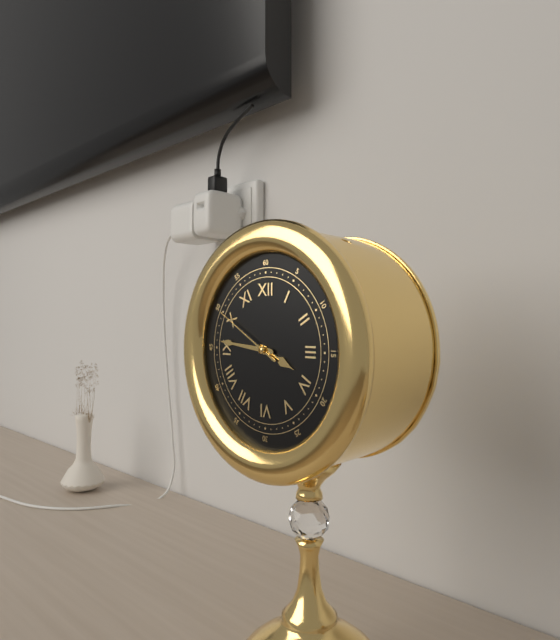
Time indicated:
**3:46:50**
